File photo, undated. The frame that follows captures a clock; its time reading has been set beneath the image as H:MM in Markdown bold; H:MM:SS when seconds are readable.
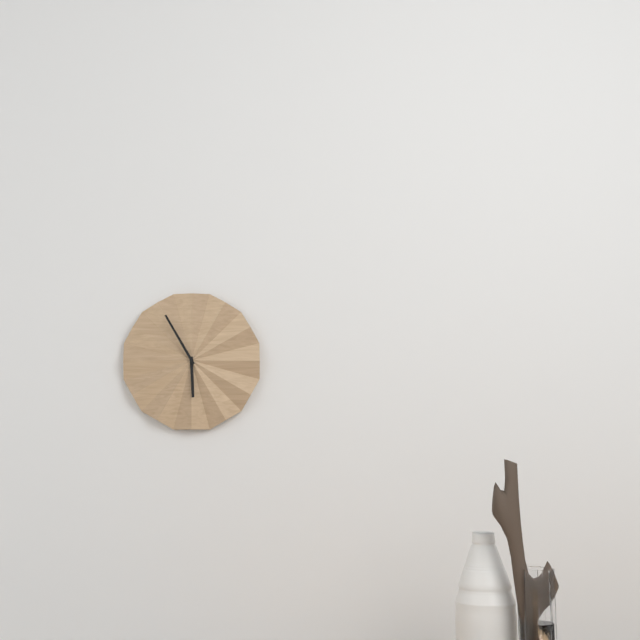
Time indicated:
**5:55**
